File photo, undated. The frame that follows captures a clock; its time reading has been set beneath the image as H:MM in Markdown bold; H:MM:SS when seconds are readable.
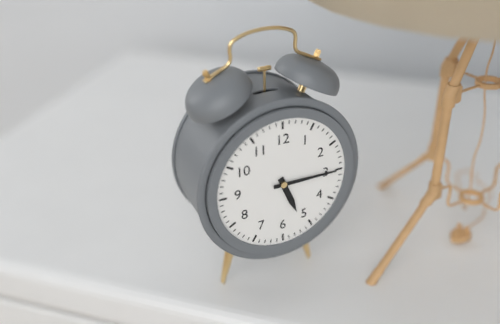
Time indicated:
**5:15**
